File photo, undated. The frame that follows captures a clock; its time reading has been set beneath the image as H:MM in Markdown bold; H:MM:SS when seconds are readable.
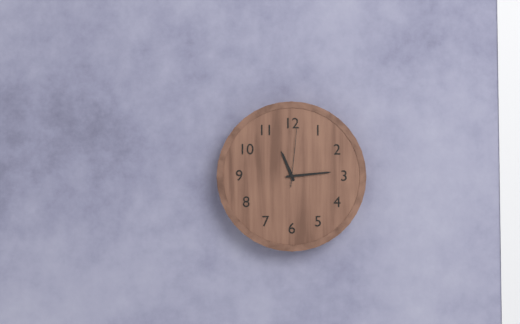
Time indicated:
**11:14:01**
